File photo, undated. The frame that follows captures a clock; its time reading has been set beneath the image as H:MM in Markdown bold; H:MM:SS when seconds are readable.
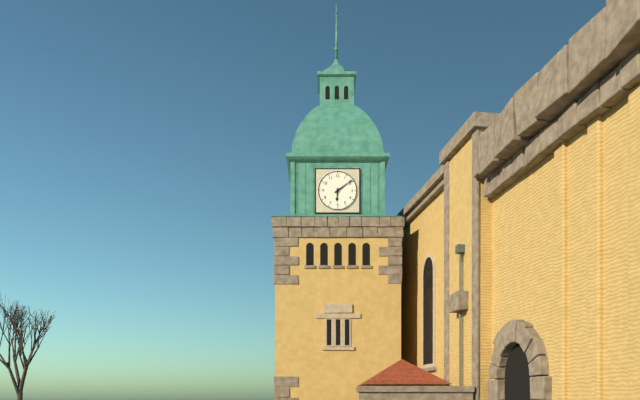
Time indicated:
**6:09**
